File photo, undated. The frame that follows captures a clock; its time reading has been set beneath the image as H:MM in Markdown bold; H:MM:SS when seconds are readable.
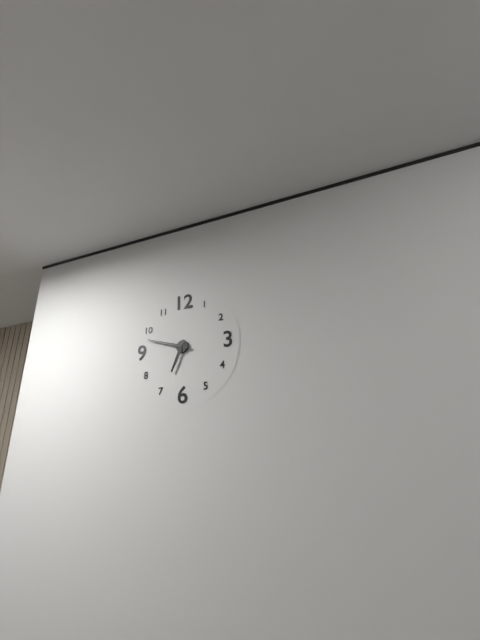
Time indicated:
**6:48**
